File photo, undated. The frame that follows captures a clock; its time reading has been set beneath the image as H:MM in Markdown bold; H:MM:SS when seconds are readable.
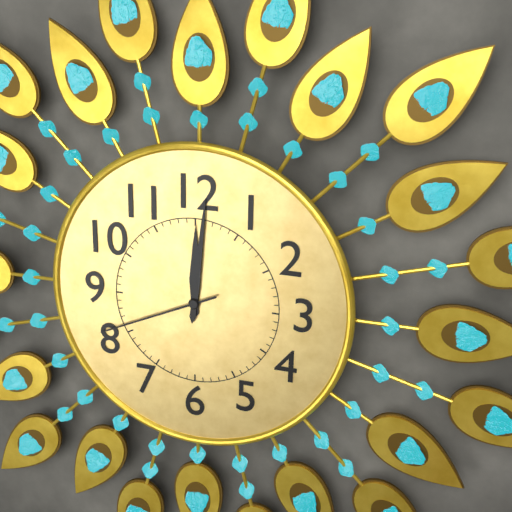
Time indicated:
**12:01:41**
